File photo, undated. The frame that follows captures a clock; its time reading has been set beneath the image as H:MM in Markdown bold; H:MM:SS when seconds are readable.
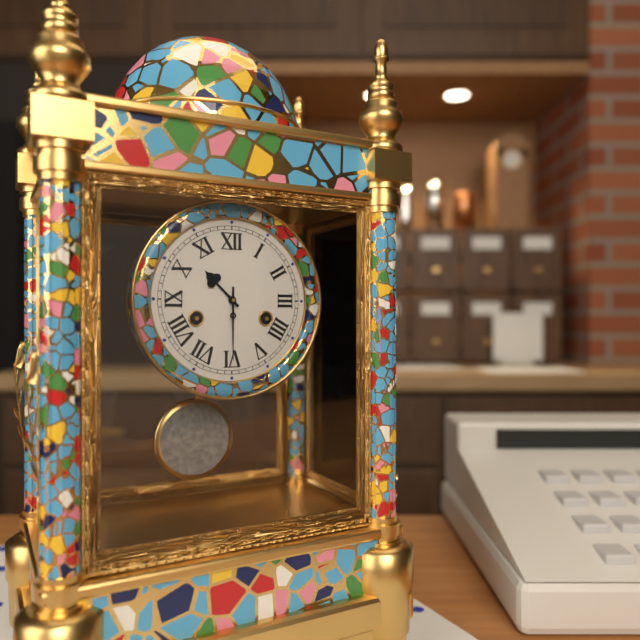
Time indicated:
**10:30**
